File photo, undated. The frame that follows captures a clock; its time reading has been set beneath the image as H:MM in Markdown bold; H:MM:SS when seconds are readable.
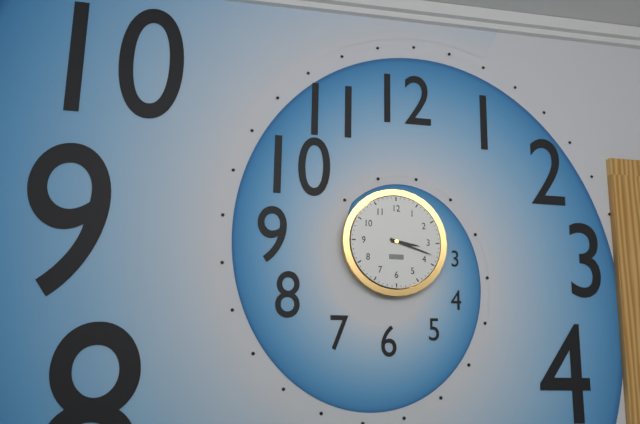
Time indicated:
**3:18**
